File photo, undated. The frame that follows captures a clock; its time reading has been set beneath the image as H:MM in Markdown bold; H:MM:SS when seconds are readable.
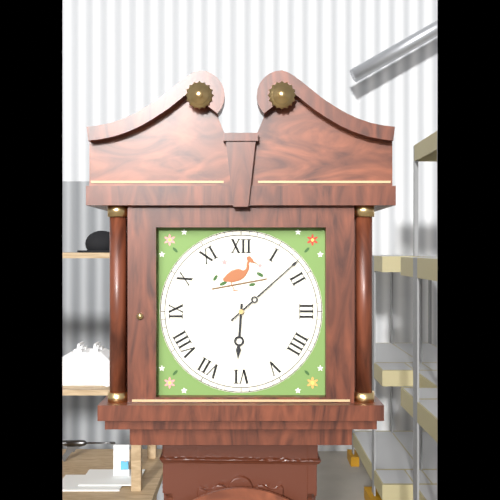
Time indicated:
**6:08**
